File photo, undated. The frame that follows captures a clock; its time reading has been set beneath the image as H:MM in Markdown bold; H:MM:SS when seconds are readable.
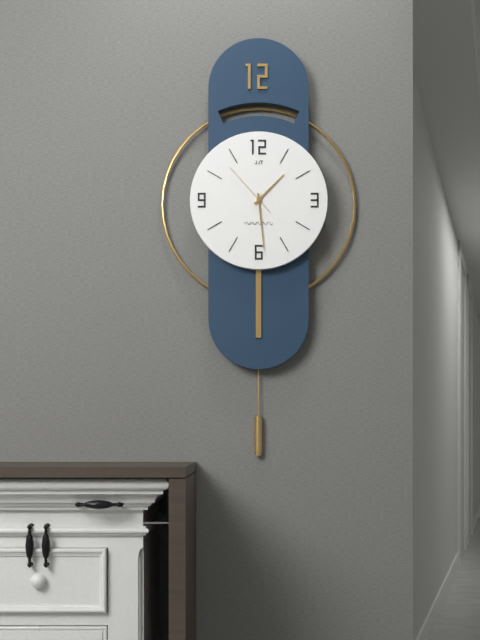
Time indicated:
**1:29:53**
